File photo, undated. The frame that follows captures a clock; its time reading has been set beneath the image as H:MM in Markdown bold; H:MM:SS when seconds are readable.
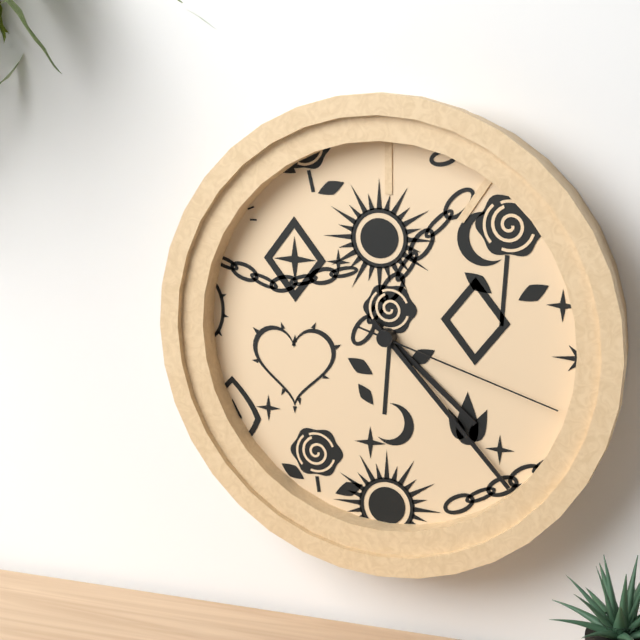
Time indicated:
**4:23:18**
